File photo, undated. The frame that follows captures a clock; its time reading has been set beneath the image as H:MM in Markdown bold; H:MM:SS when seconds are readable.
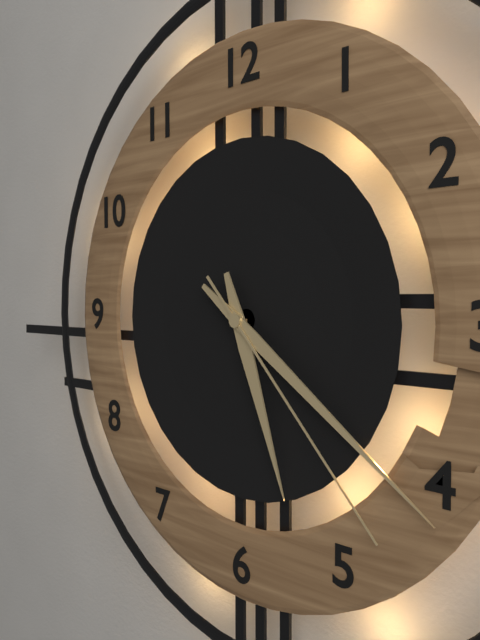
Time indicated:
**5:21:23**
